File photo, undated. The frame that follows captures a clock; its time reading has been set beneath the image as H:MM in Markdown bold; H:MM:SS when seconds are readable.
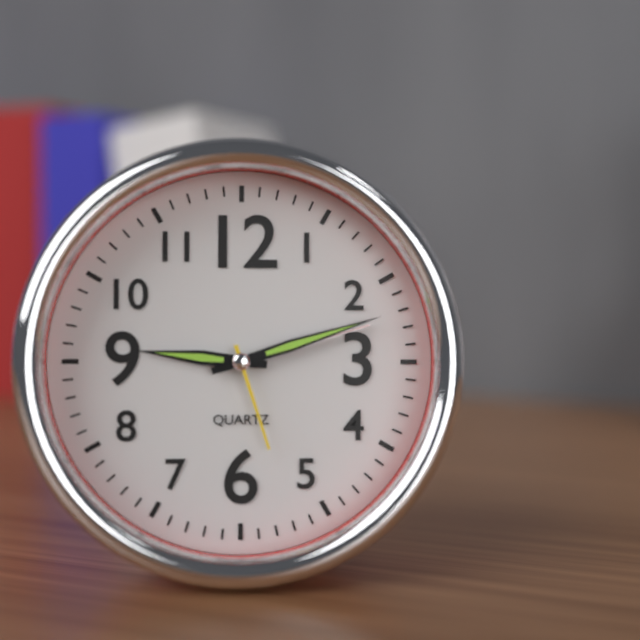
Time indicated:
**9:12:27**
